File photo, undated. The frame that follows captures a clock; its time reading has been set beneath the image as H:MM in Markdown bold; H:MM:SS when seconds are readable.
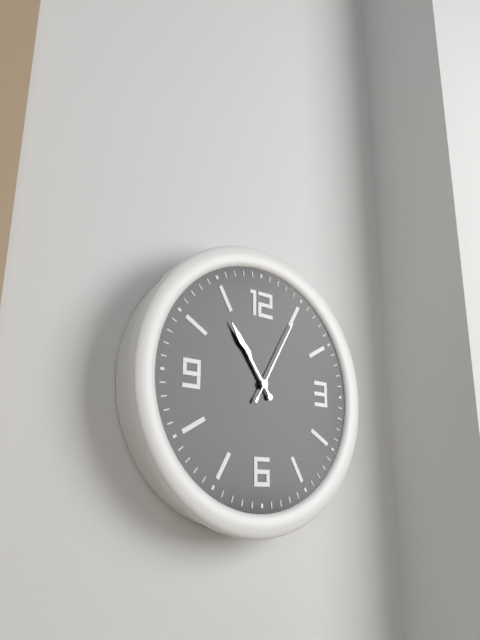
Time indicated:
**10:54:05**
